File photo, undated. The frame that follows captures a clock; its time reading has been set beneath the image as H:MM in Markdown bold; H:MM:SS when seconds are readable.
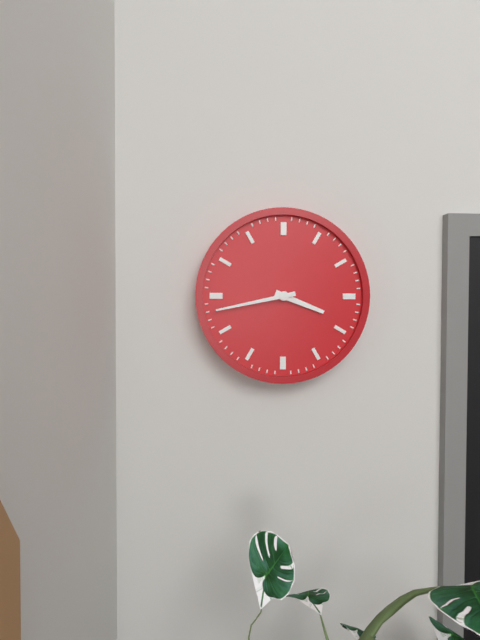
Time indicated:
**3:43**
